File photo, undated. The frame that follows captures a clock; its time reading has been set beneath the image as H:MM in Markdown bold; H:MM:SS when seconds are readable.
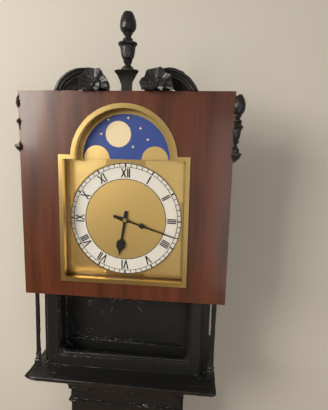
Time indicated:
**6:18**
